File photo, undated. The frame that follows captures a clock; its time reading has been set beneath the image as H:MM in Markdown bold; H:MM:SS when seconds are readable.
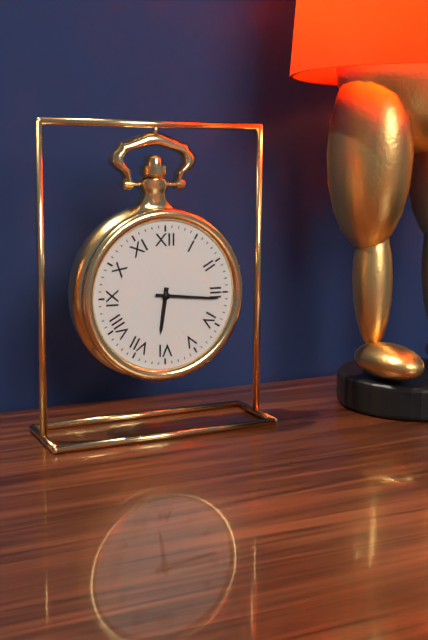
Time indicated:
**6:16**
